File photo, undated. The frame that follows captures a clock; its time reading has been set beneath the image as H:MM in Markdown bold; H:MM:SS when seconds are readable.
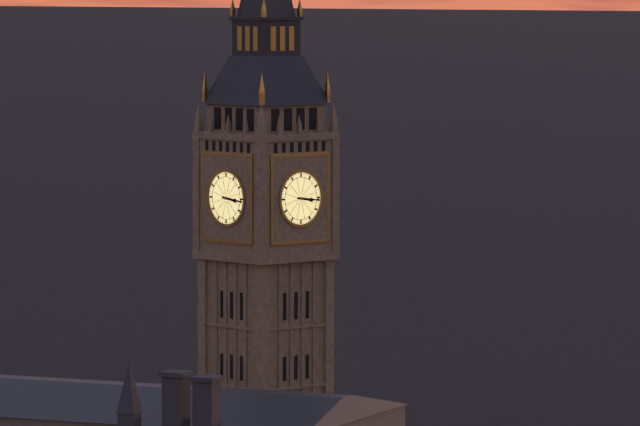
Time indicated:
**3:16**
